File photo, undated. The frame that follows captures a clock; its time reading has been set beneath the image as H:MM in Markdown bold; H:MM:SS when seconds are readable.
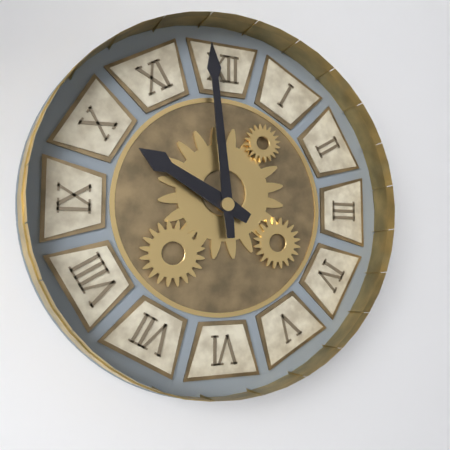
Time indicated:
**9:59**
